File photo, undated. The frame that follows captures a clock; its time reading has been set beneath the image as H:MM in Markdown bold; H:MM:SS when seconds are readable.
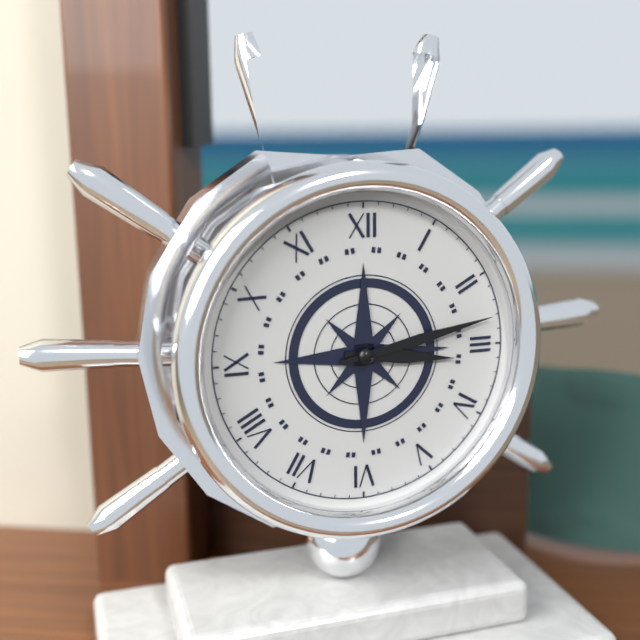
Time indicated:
**3:13**
